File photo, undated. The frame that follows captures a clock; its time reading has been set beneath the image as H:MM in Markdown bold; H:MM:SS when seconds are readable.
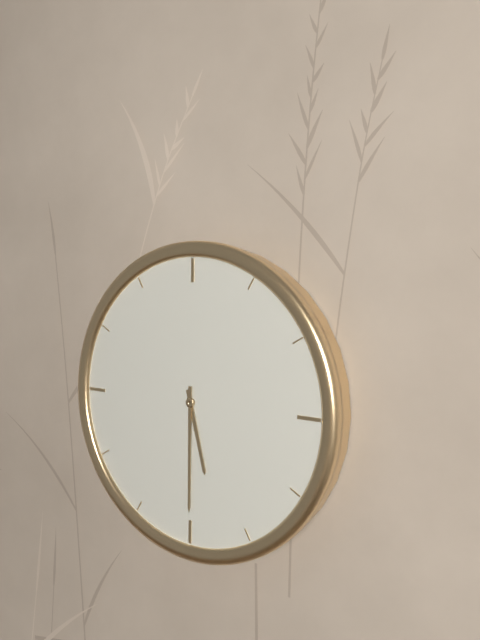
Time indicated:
**5:30**
